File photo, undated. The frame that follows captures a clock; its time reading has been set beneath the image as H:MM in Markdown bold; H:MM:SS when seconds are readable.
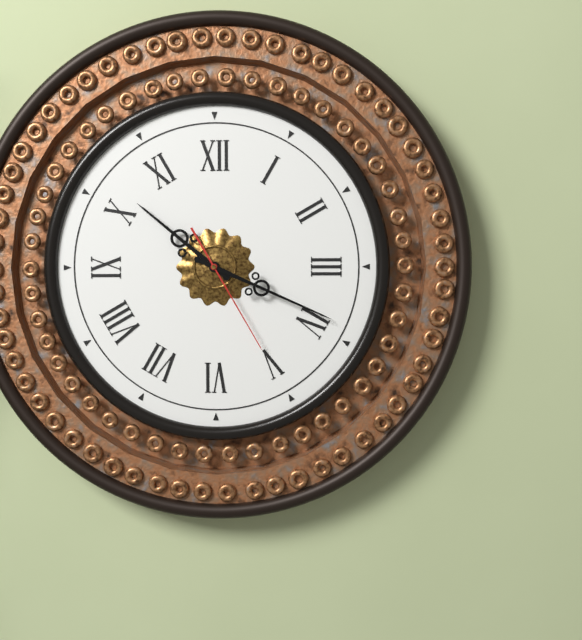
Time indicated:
**10:19:25**
